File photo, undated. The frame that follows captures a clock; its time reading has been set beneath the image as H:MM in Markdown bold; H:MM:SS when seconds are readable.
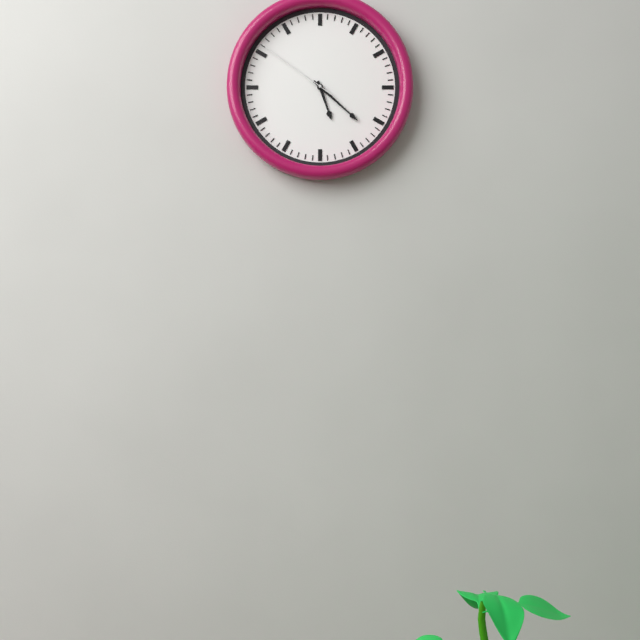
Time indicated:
**5:22:51**
